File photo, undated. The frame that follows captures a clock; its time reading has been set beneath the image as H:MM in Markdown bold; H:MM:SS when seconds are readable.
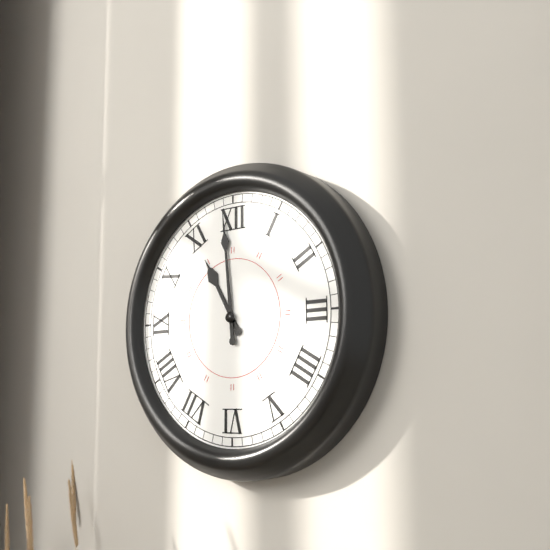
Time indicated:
**10:59**
